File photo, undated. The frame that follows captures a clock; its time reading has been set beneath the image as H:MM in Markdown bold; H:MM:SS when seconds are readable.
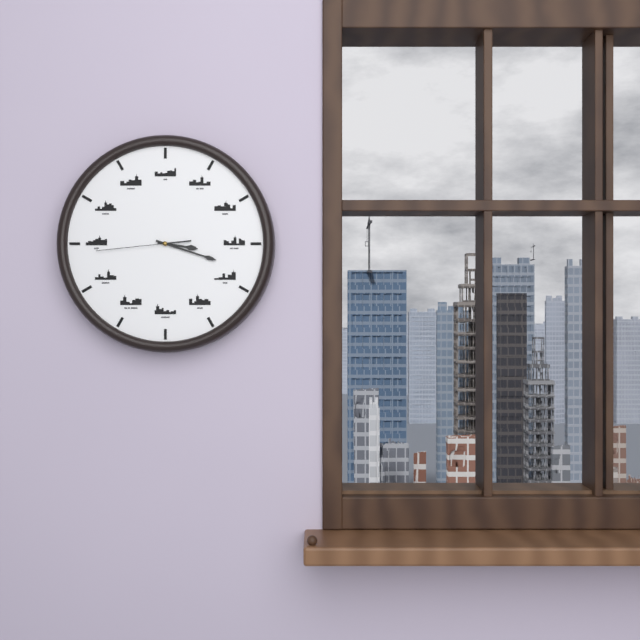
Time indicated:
**3:18:44**
